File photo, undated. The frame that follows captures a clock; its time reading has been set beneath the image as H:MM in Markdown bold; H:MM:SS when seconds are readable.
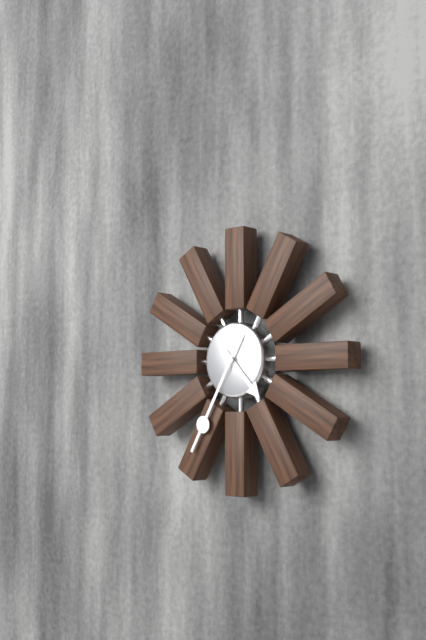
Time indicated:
**4:35**
